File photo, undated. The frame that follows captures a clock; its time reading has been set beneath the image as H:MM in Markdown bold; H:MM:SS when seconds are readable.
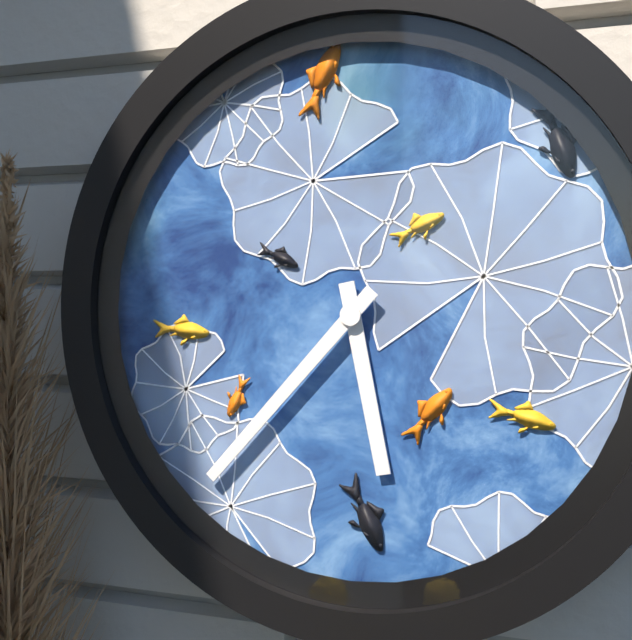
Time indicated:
**5:37**
